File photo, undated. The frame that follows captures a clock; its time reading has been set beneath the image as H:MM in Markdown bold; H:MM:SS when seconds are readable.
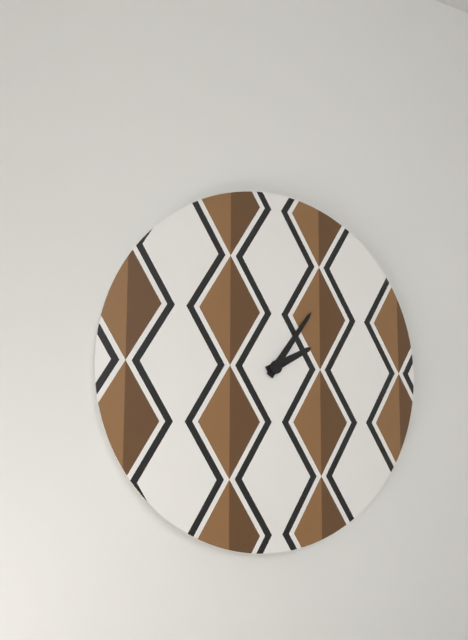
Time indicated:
**2:06**
